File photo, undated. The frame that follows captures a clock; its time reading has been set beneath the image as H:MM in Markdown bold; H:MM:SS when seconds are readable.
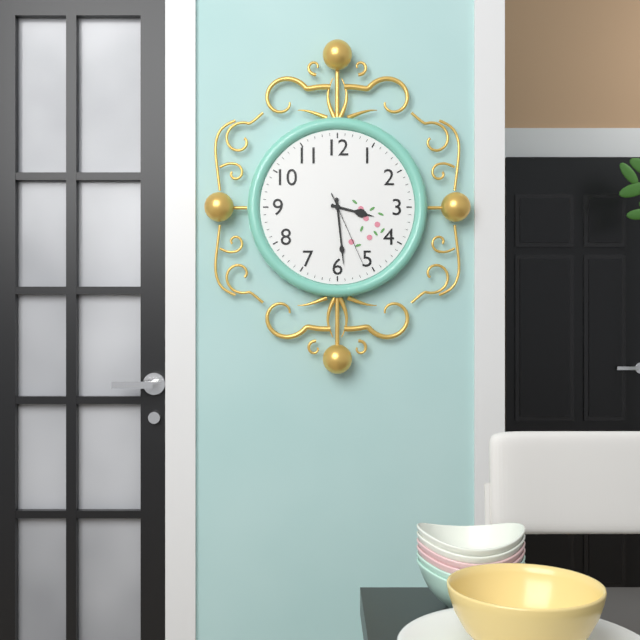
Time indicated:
**3:29:26**
